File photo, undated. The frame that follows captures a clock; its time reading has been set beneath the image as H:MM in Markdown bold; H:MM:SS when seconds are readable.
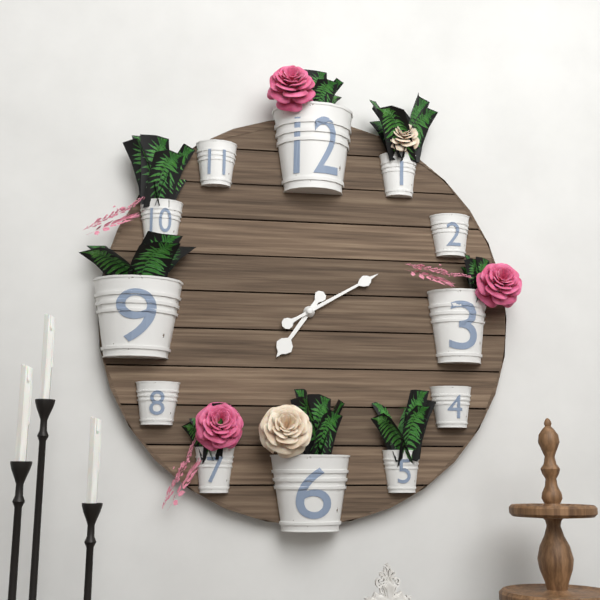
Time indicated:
**7:10**
